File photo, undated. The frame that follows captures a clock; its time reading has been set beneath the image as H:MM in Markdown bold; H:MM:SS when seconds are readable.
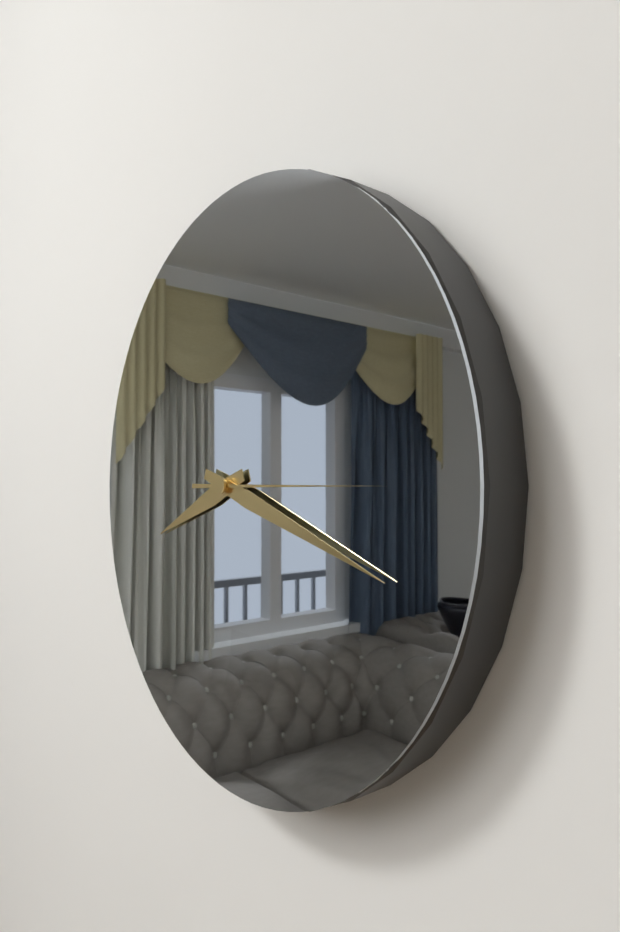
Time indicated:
**8:18:15**
